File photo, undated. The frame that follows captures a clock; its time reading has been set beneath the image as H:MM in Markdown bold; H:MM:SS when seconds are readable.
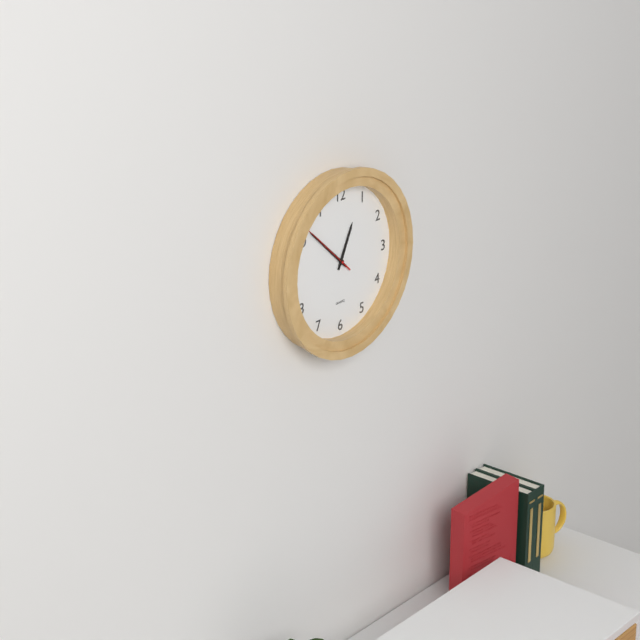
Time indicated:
**12:52:52**
